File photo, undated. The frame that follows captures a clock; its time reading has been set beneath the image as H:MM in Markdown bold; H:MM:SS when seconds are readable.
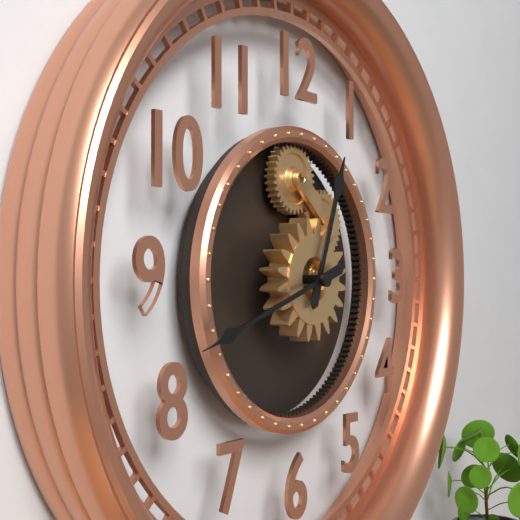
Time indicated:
**12:42**
